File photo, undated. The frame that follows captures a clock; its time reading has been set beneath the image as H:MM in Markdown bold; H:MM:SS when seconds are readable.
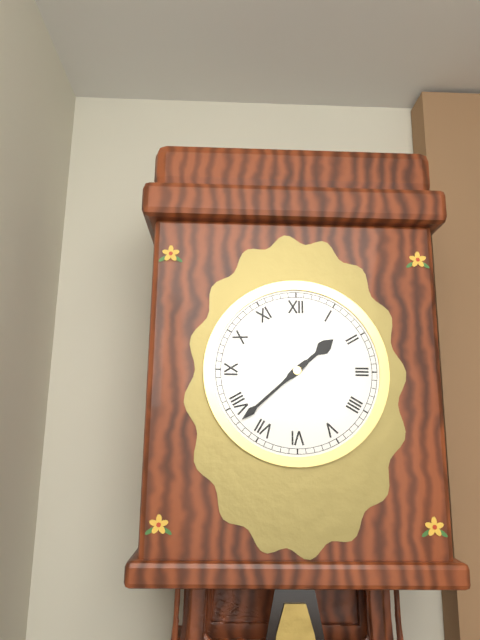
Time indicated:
**1:38**
